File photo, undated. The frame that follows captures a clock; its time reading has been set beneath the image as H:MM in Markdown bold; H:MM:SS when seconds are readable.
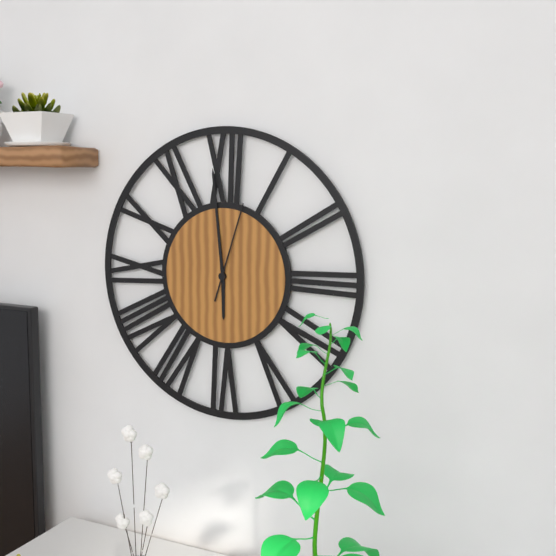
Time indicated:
**5:59:03**
